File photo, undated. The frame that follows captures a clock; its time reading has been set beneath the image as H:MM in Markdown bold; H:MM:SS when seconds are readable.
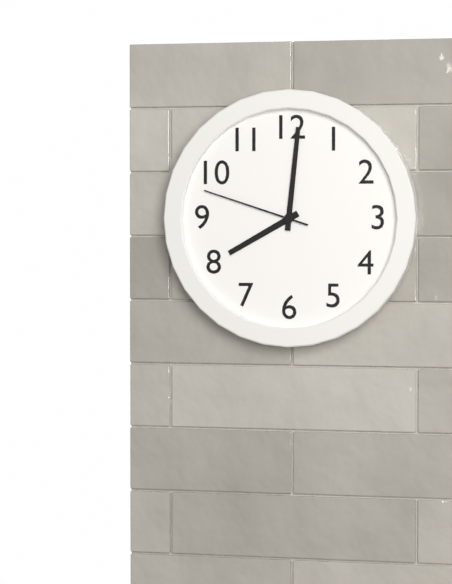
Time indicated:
**8:01:48**
